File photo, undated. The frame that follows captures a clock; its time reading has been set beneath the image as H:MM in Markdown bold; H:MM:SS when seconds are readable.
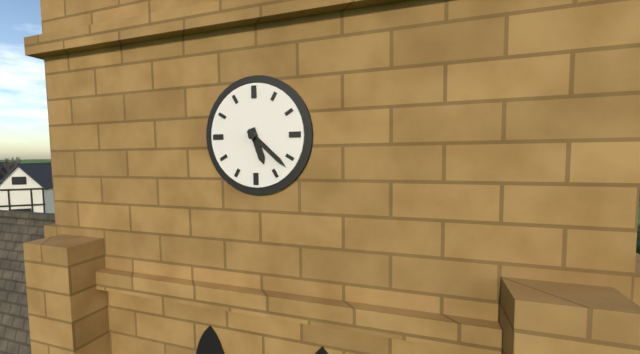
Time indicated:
**5:22**
